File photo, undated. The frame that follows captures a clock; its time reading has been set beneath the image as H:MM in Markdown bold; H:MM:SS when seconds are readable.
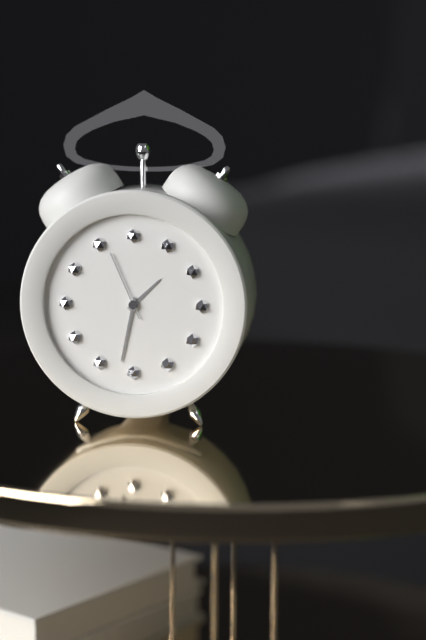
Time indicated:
**1:32:56**
